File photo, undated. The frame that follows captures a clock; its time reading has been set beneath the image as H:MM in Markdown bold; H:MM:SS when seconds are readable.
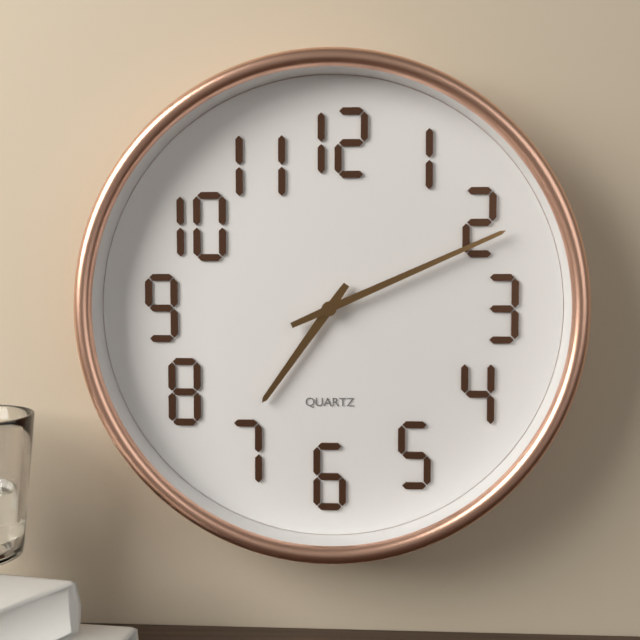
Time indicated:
**7:11**
